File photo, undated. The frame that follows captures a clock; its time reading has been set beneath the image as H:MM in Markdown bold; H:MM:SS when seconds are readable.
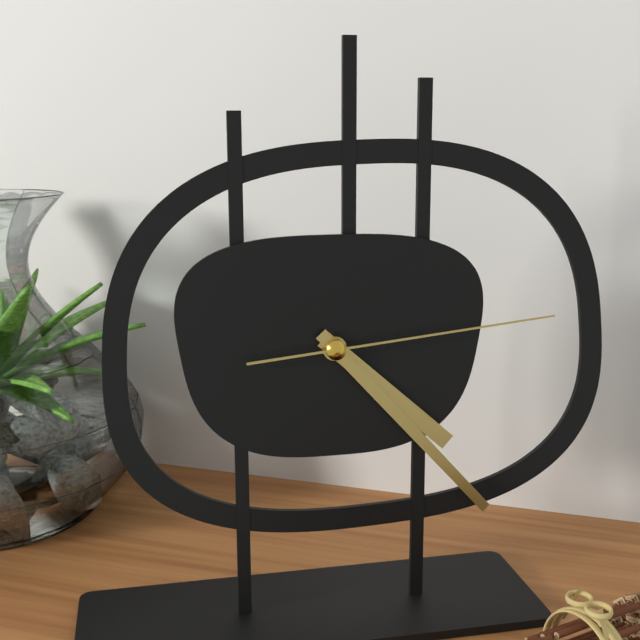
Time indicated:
**4:23:14**
